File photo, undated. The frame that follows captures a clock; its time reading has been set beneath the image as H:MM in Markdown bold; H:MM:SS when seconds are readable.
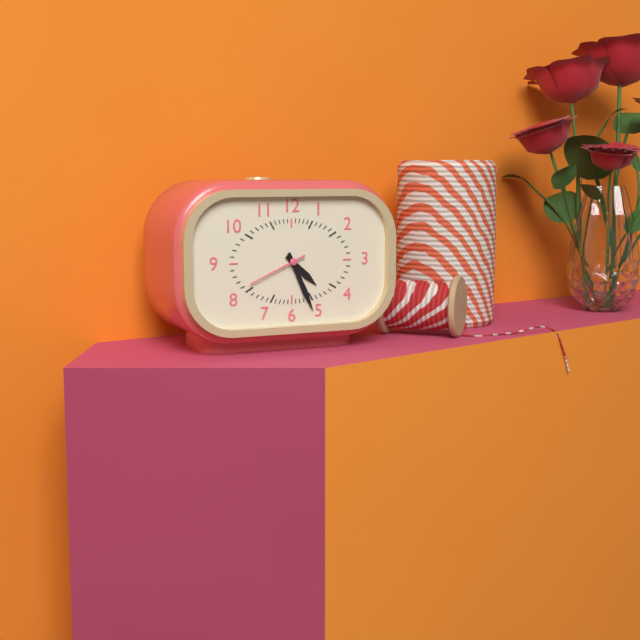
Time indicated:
**4:26:41**
